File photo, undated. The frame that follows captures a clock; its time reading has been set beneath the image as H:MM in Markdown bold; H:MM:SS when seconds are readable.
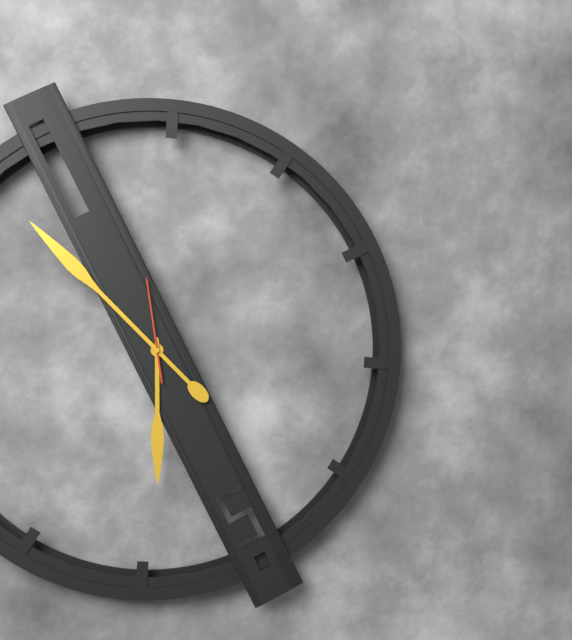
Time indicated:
**5:52:58**
